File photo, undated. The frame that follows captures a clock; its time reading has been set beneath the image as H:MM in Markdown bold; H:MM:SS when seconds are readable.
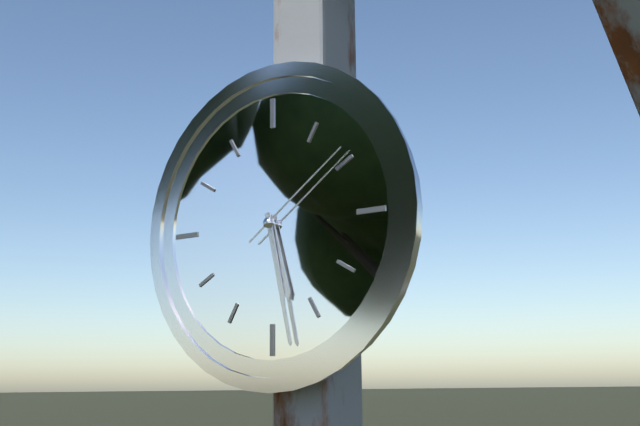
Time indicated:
**5:28:09**
